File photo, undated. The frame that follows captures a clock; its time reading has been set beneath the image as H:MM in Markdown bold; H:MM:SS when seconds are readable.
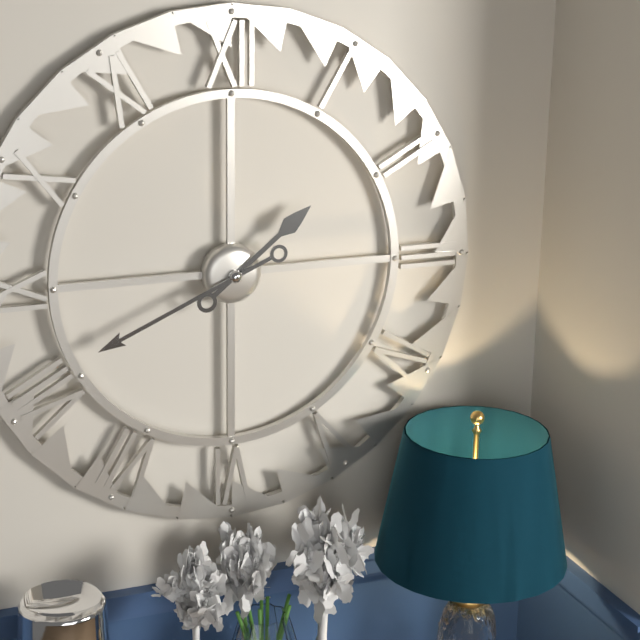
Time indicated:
**1:41**
